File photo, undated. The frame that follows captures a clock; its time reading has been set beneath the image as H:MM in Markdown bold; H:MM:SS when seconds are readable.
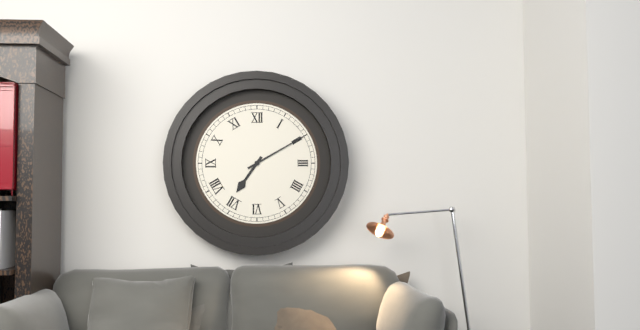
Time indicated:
**7:10**
